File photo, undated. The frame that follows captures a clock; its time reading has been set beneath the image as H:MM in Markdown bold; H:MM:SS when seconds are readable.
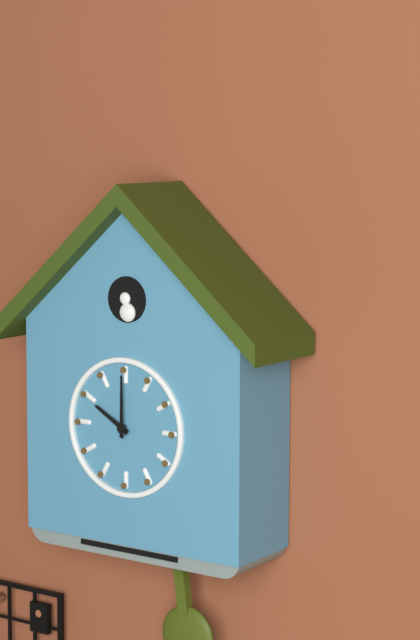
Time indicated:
**10:00**
